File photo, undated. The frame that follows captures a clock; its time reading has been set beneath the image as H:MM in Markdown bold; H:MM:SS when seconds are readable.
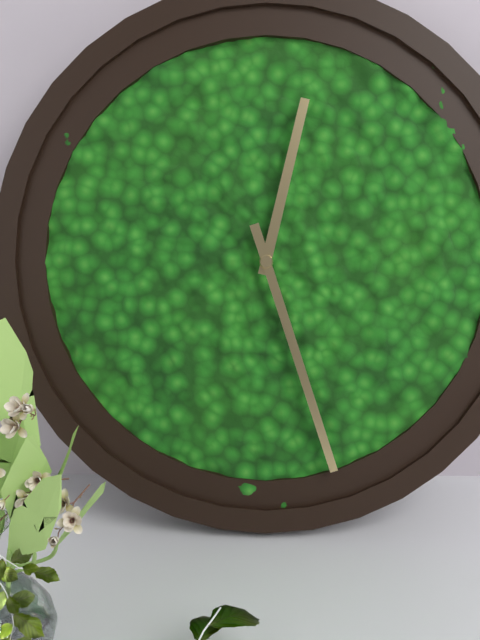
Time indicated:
**12:27**
